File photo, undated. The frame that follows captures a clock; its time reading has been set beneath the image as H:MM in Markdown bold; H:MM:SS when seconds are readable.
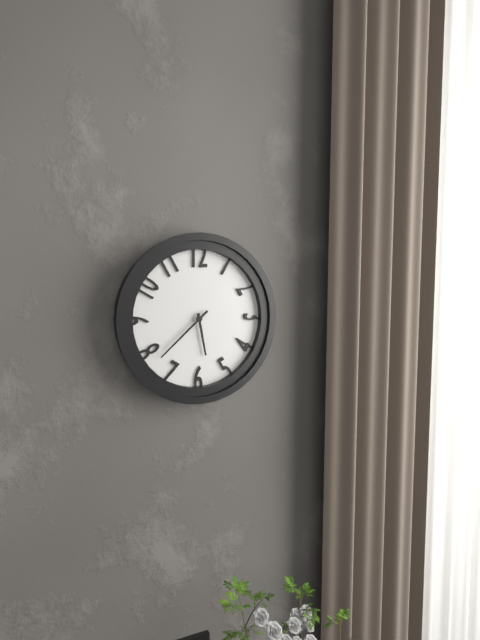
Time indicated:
**5:38**
